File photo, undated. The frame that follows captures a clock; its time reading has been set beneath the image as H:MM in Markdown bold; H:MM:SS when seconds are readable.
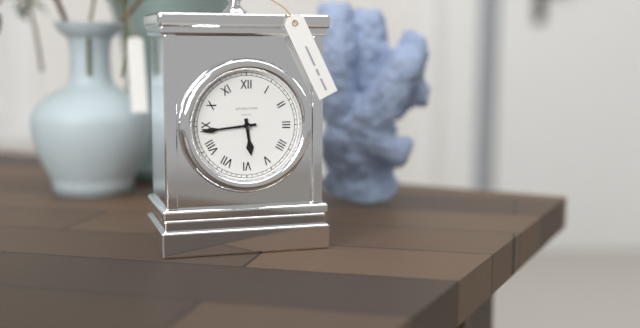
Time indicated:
**5:44**
